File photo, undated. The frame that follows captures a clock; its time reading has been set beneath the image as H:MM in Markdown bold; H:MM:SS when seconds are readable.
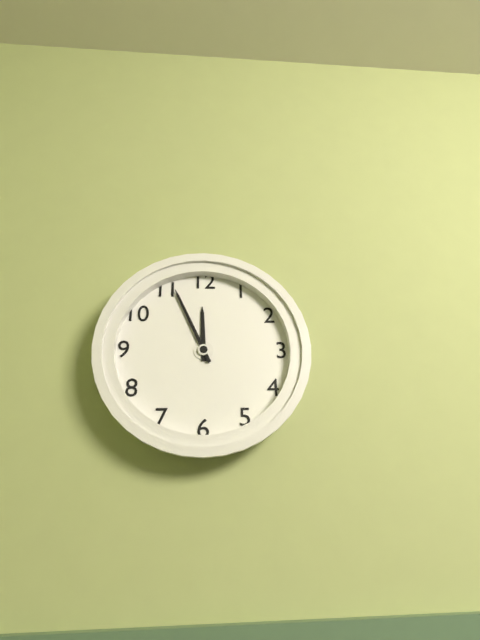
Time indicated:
**11:56**
